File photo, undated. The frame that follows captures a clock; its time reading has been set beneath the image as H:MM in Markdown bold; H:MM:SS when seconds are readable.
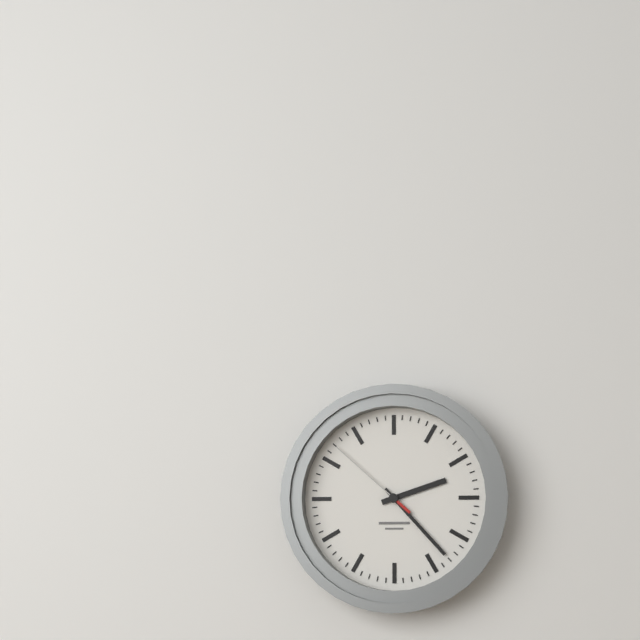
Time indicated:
**2:23:52**
